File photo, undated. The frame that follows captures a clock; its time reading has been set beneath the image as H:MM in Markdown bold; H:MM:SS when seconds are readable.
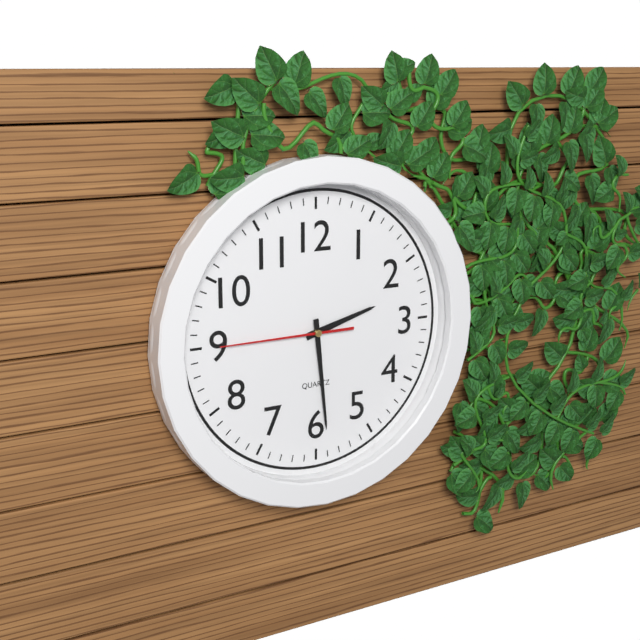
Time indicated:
**2:29:45**
